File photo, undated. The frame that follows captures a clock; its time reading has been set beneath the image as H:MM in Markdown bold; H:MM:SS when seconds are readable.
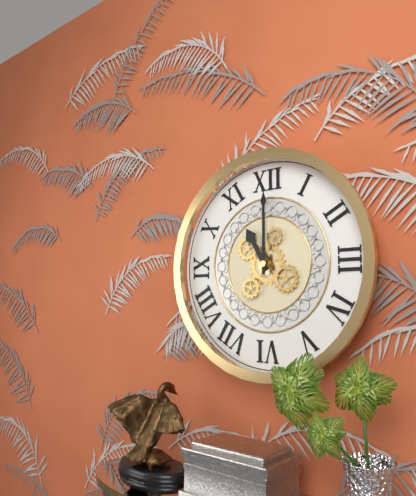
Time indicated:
**11:00**
